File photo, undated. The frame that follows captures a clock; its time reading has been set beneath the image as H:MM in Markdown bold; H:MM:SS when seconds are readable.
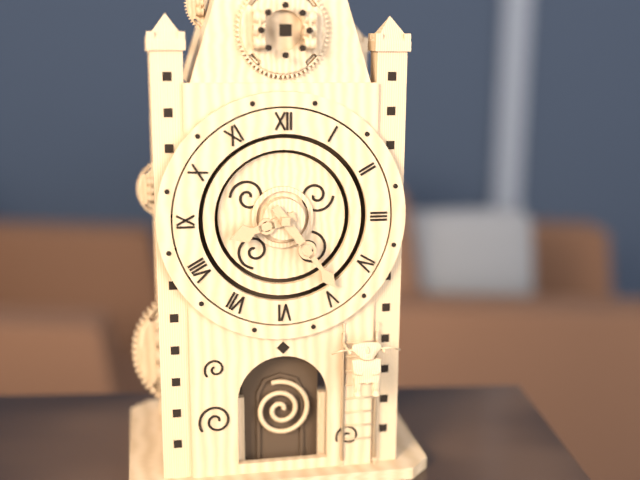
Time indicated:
**8:24**
